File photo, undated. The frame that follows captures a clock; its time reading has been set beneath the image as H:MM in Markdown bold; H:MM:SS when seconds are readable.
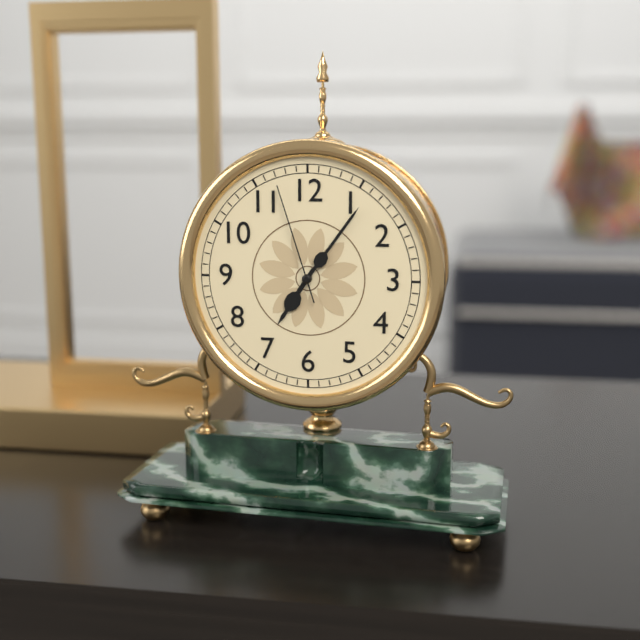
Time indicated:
**7:06:57**
